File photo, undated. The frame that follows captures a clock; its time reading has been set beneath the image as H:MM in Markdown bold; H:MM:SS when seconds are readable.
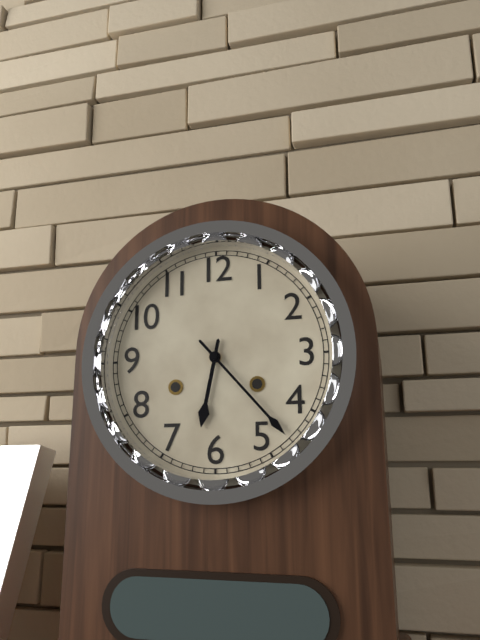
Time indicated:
**6:23**
